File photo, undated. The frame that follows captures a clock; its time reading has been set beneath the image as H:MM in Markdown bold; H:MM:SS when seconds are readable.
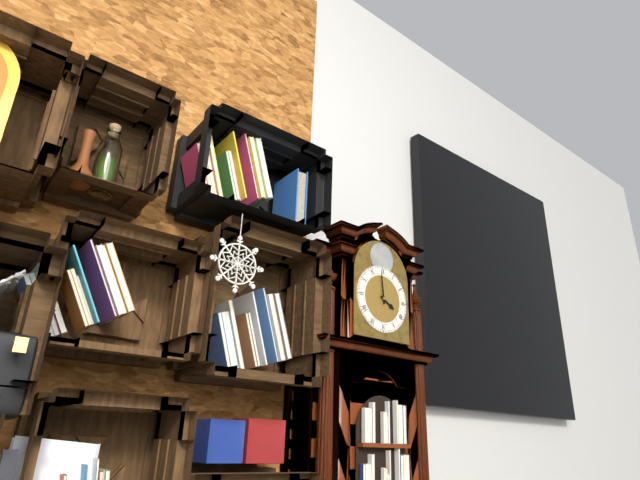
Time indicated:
**3:59**
